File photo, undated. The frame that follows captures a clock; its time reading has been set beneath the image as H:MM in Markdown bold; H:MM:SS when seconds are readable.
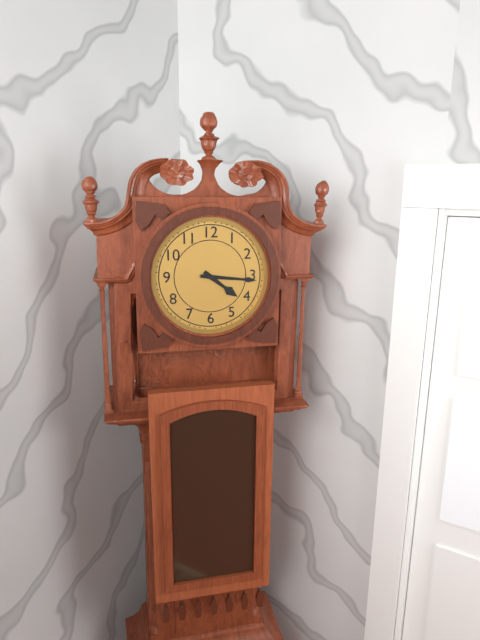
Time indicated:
**4:16**
